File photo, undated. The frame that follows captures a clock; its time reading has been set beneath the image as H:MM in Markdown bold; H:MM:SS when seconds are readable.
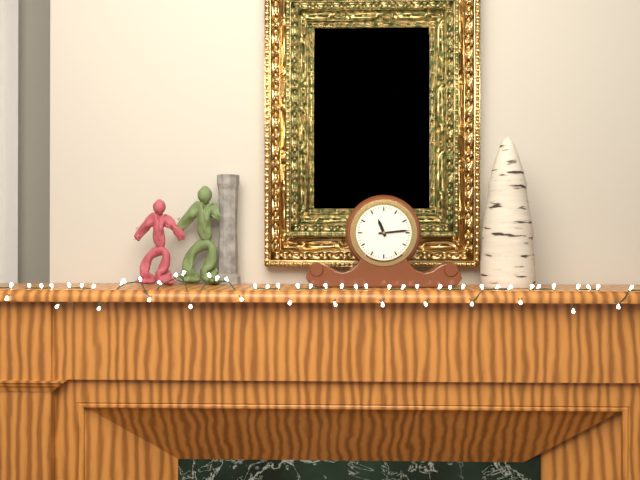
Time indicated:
**11:14**
